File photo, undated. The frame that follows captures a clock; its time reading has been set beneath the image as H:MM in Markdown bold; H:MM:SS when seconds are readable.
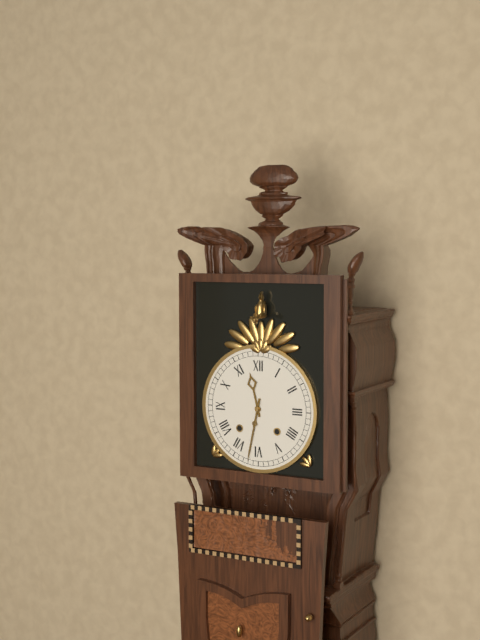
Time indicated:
**11:32**
